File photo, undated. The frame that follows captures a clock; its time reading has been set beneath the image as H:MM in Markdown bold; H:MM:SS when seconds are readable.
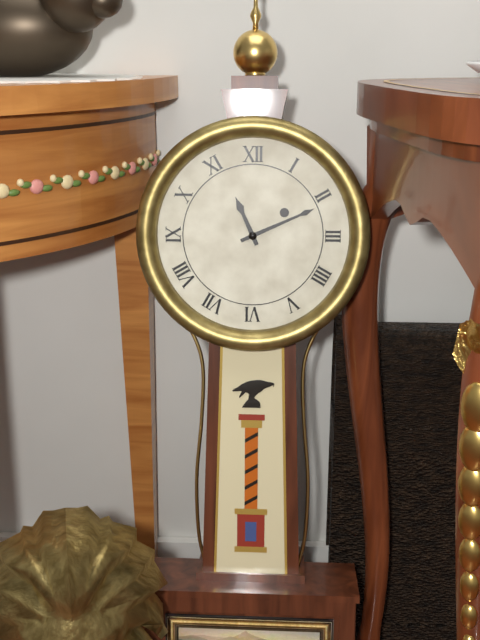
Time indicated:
**11:11**
